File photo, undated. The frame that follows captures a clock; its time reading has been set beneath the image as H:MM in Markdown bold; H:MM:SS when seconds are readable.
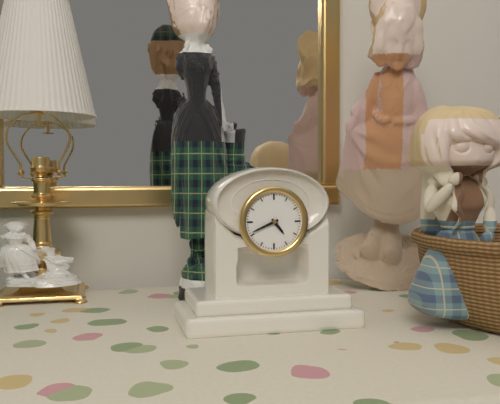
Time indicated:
**4:41**
